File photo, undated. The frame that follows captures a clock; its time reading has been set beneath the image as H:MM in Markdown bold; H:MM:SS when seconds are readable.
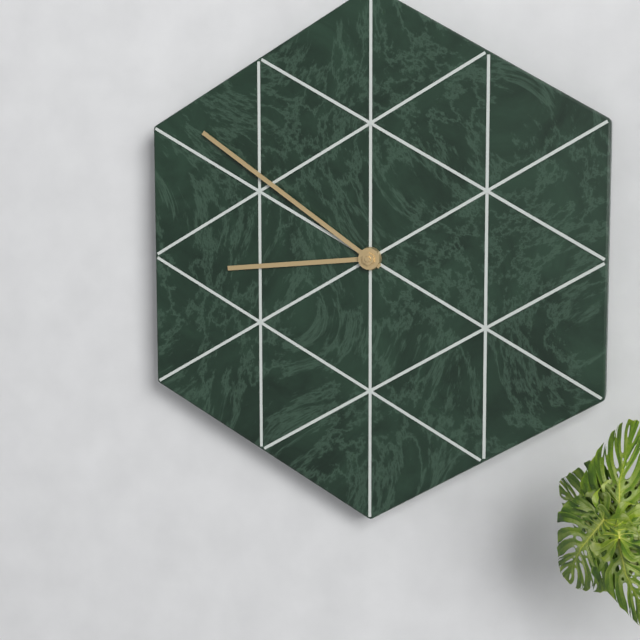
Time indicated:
**8:51**
